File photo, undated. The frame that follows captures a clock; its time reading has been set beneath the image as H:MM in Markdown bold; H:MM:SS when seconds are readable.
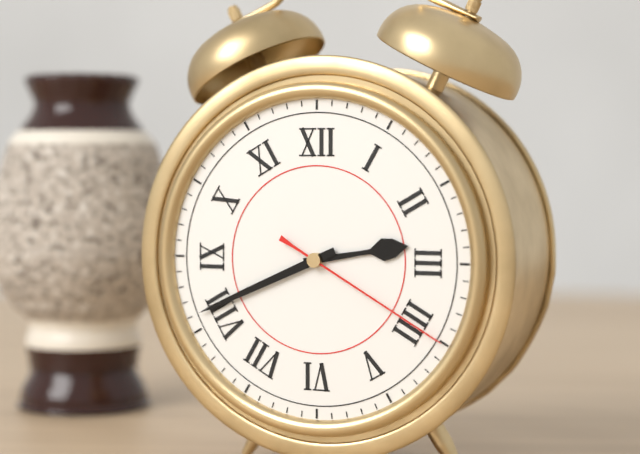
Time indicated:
**2:41:20**
